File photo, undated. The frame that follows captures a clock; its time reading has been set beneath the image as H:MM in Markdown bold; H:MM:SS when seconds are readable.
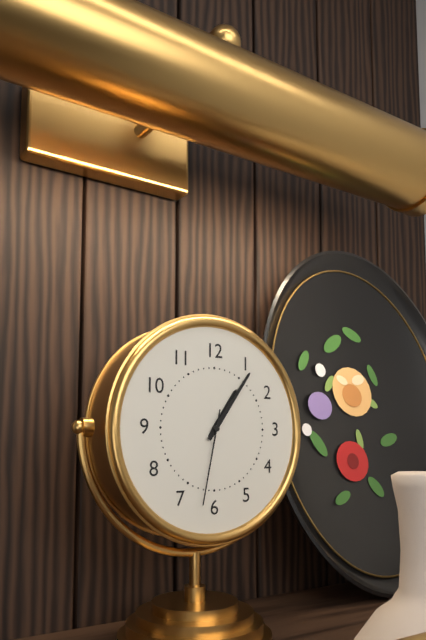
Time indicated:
**1:06:32**
